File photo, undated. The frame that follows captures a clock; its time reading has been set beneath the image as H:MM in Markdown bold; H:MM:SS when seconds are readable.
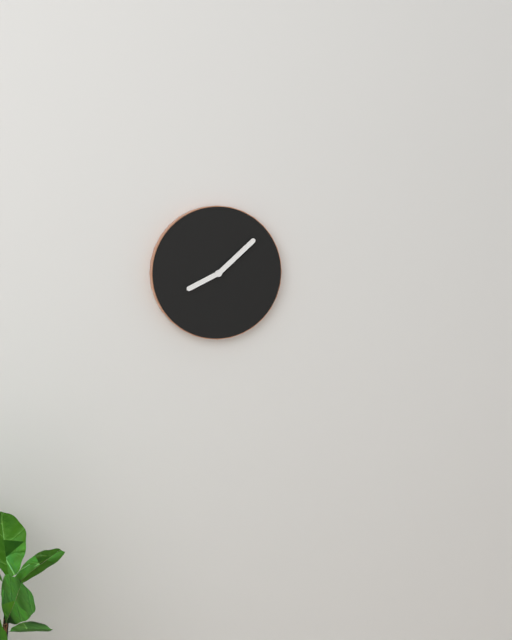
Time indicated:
**8:08**
